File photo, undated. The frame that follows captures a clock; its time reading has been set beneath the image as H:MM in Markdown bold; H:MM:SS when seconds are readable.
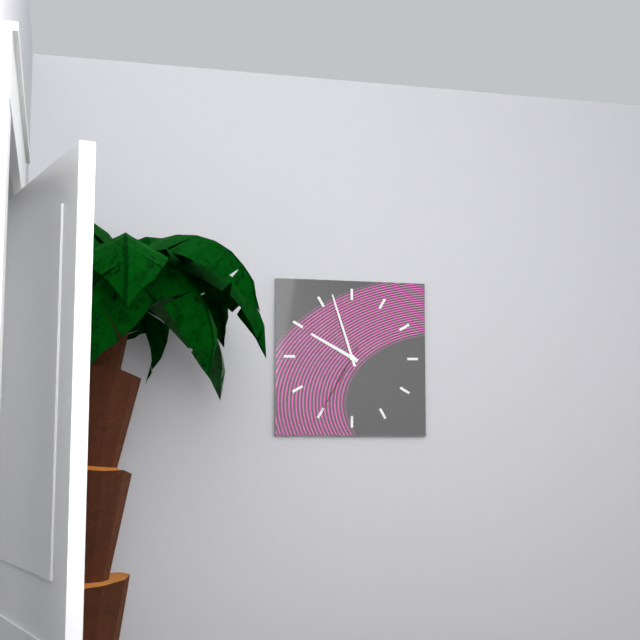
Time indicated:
**9:57:35**
